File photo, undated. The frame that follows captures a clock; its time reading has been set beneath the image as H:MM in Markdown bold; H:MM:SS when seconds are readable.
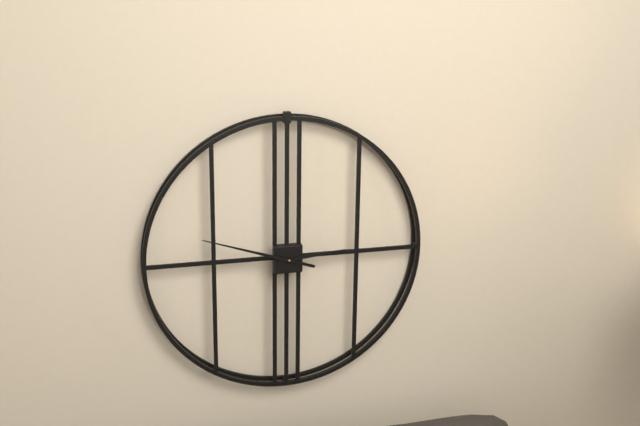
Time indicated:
**2:48**
